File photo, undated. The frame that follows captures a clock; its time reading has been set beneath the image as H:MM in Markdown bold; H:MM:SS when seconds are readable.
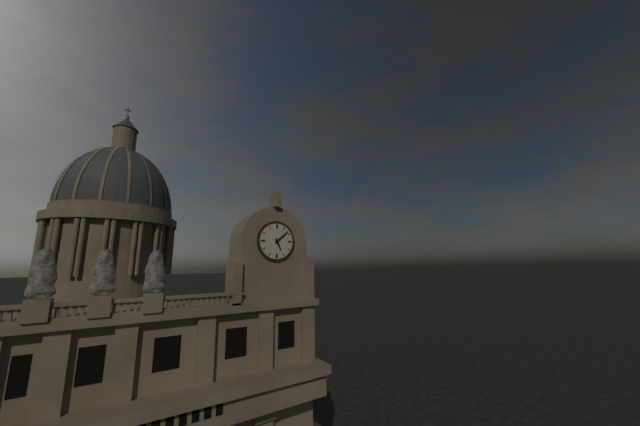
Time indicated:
**5:08**
